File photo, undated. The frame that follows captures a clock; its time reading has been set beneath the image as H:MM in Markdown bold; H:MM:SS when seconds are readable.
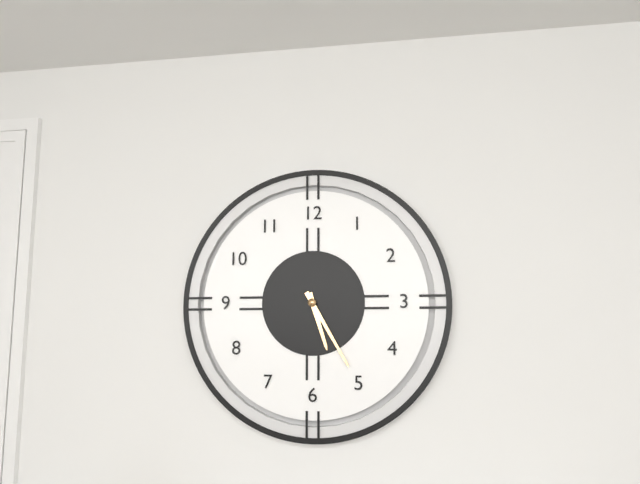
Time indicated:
**5:25**
